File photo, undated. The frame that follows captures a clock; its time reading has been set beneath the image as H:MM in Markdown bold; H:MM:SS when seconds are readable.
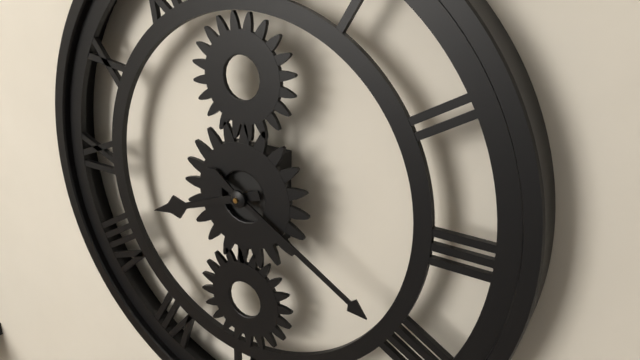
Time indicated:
**8:20**
